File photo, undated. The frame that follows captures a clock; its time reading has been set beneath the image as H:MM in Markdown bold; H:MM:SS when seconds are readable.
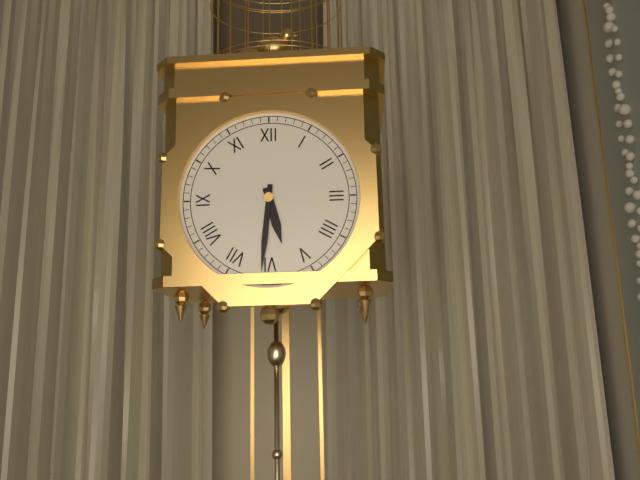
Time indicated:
**5:31**
